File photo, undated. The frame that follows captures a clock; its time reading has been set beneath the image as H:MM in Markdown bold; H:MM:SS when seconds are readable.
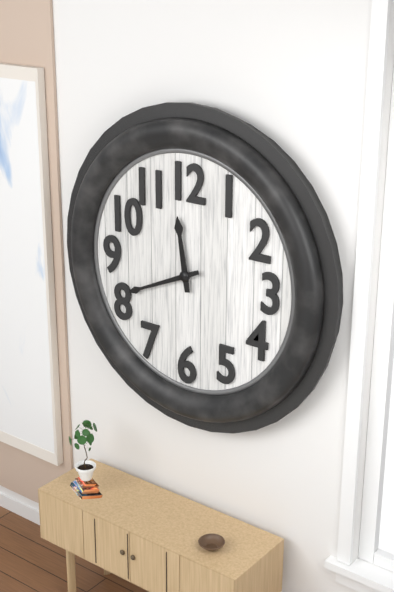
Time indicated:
**11:41**
